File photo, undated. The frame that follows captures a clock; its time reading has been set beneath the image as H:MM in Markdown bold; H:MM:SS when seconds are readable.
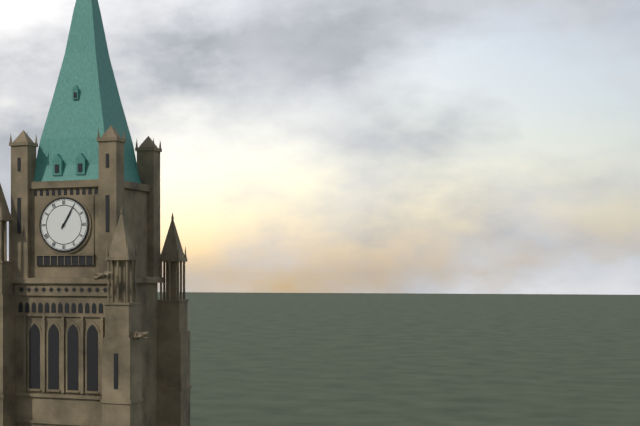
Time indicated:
**1:05**
